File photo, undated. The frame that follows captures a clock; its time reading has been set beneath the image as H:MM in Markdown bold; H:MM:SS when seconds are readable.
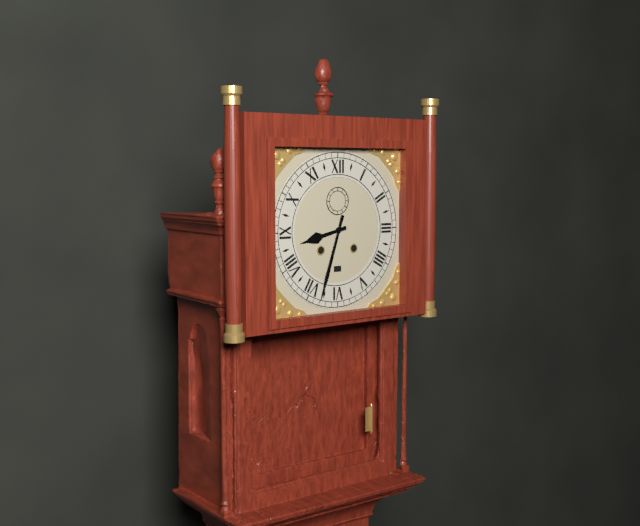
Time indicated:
**8:33**
